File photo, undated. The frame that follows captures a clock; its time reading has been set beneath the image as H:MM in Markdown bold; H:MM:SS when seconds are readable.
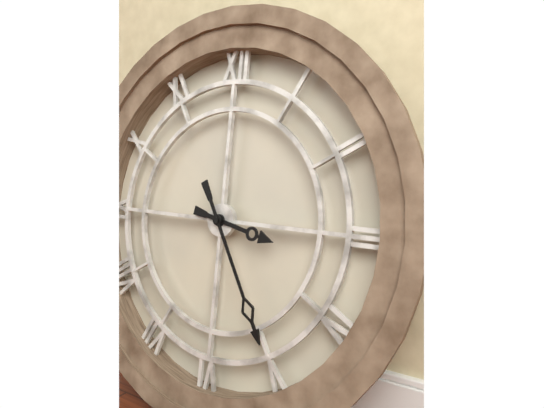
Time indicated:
**3:25**
